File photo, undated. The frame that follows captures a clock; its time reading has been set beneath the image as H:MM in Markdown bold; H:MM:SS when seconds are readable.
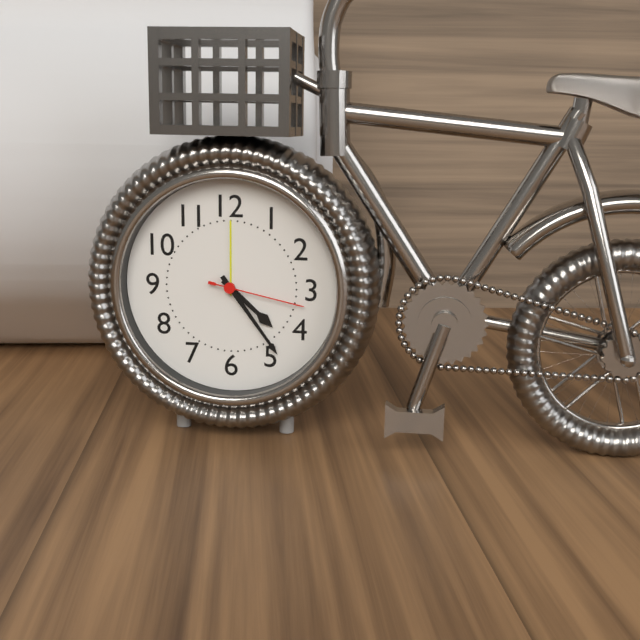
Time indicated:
**4:24:17**
